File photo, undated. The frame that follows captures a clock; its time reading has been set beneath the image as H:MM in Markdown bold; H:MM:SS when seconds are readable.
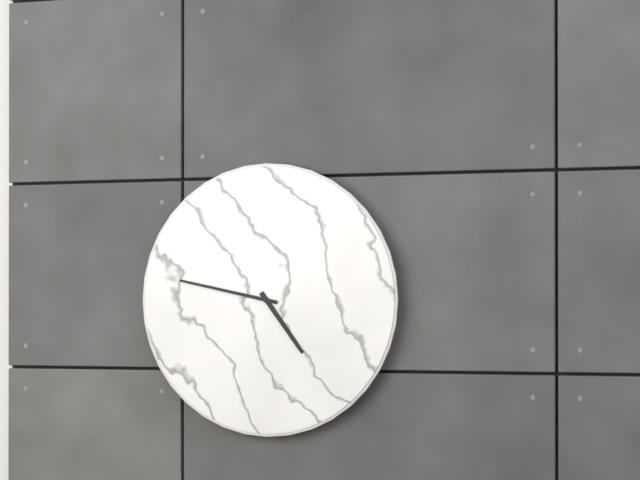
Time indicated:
**4:47**
